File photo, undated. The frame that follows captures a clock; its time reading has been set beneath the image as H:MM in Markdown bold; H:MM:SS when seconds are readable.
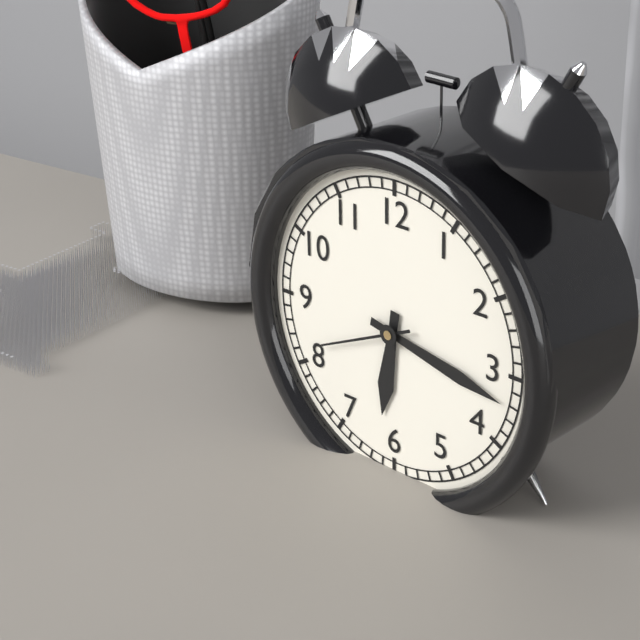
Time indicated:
**6:17:41**
